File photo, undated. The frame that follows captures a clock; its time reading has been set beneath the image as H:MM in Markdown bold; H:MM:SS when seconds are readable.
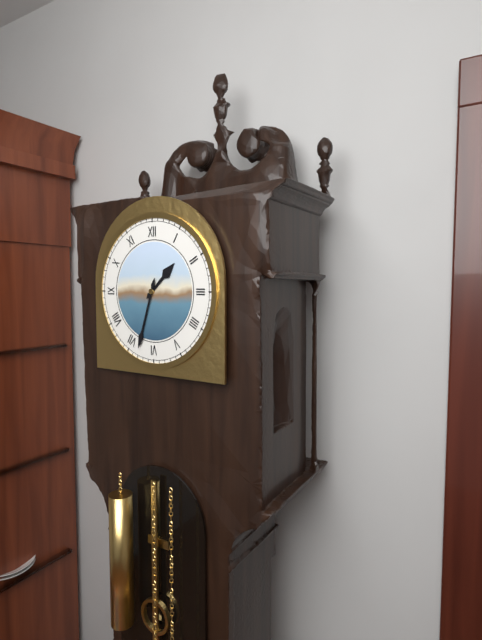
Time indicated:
**1:33**
